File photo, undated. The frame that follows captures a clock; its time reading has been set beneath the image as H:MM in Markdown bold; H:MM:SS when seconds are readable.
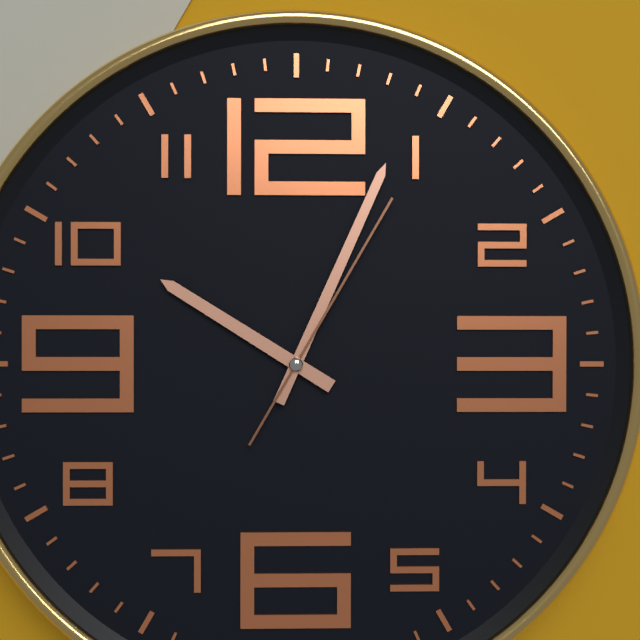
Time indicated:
**10:04:05**
